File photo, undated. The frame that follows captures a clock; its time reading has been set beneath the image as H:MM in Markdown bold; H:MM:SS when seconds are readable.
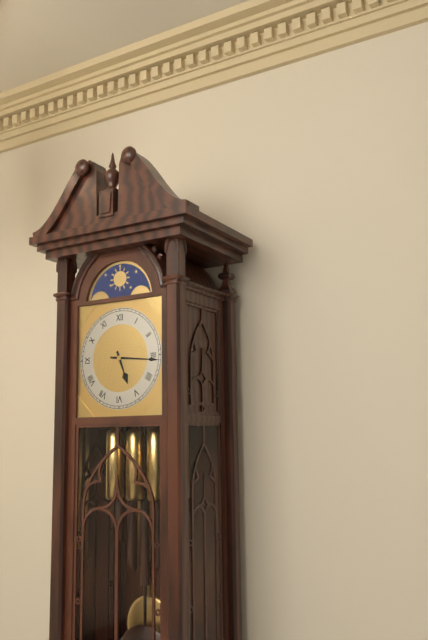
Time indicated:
**5:16**
